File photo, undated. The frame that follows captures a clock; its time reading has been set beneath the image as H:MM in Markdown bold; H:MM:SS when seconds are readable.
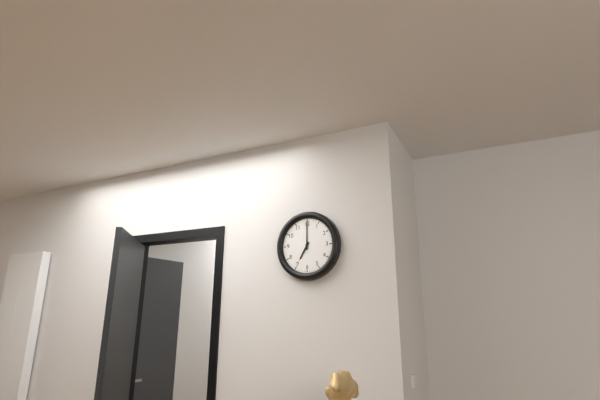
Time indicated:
**7:00**
